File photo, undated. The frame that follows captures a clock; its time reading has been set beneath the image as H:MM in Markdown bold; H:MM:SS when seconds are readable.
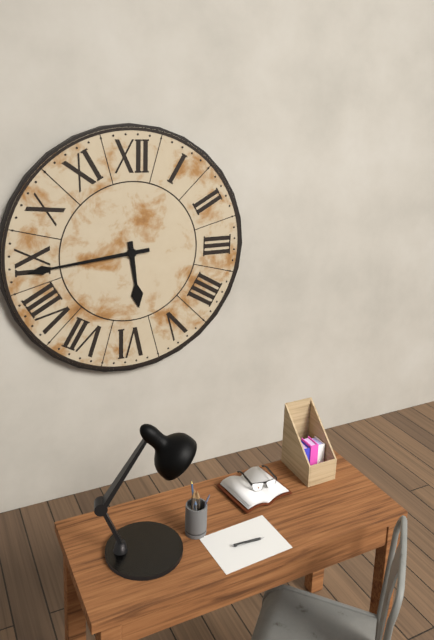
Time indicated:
**5:44**
